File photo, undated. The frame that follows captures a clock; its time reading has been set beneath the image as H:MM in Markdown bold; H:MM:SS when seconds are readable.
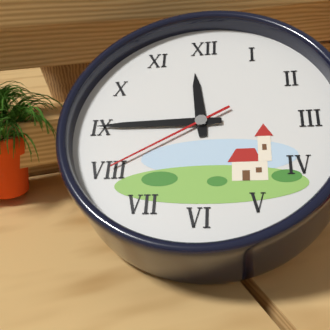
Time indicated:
**11:45:40**
